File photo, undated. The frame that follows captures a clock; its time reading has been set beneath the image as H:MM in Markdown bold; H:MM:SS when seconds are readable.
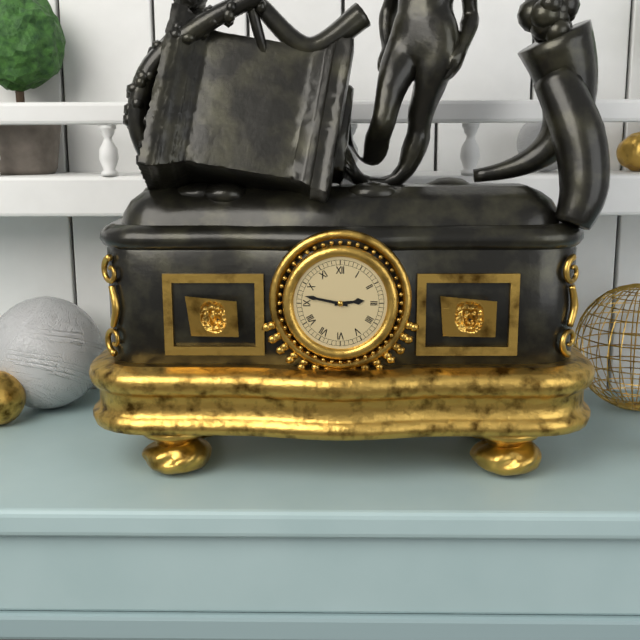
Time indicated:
**2:47**
